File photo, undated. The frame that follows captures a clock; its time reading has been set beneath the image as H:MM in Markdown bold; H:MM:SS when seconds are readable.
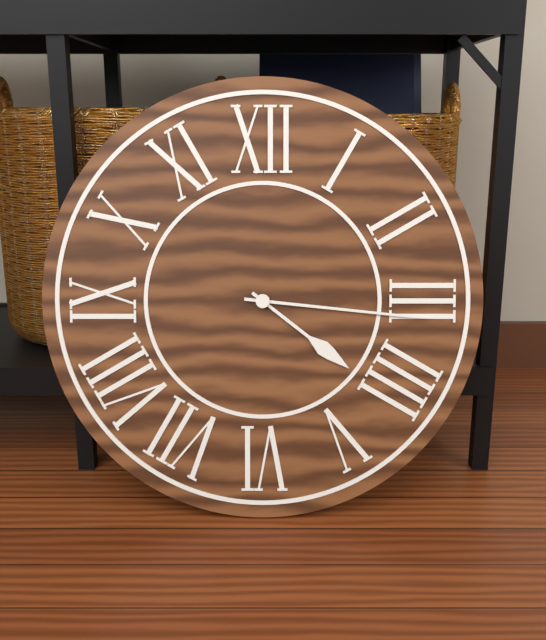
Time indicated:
**4:16**
